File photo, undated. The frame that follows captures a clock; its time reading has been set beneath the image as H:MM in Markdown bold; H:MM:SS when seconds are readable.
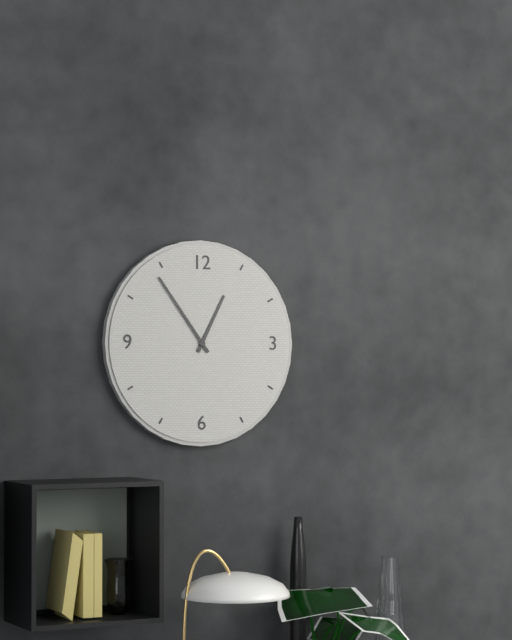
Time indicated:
**12:54**
